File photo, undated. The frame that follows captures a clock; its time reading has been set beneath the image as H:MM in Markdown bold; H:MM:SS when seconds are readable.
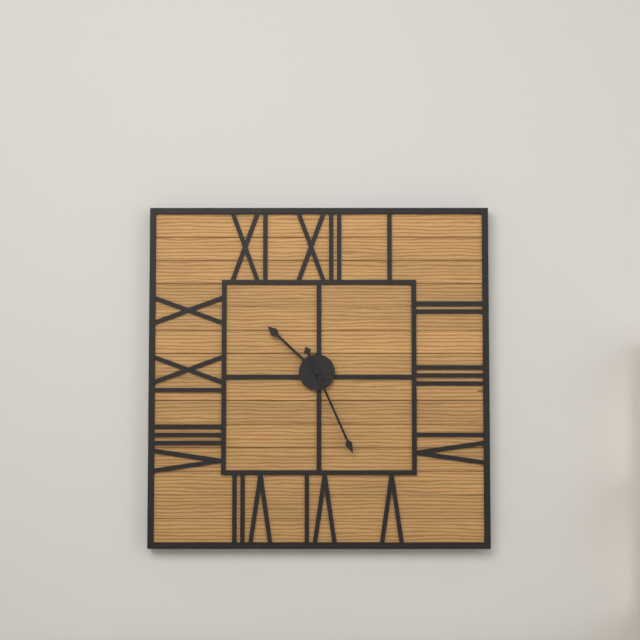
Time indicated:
**10:26**
